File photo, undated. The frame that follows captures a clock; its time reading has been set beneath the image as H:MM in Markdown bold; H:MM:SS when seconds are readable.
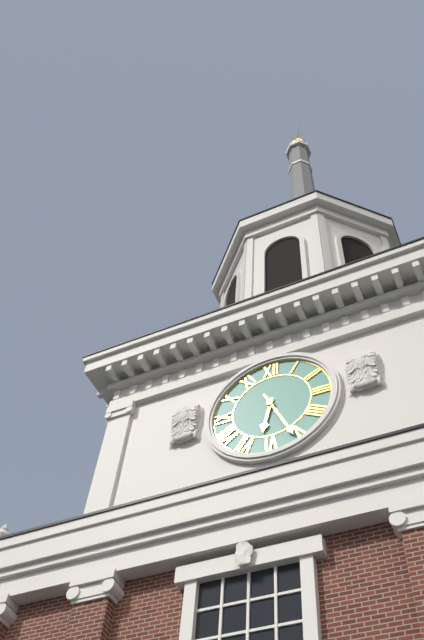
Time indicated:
**6:26**
